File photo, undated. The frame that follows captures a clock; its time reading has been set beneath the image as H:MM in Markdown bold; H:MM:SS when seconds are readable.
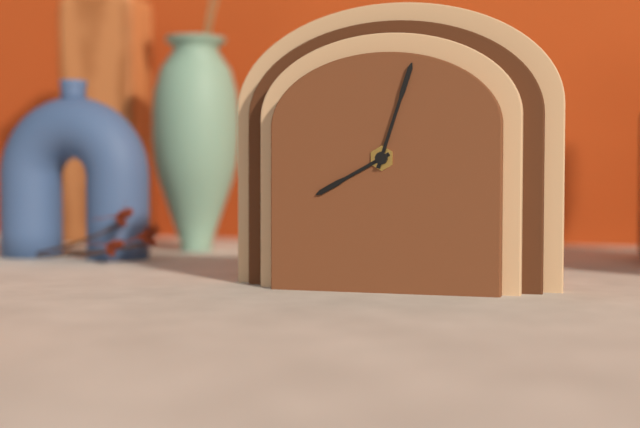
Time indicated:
**8:03**
